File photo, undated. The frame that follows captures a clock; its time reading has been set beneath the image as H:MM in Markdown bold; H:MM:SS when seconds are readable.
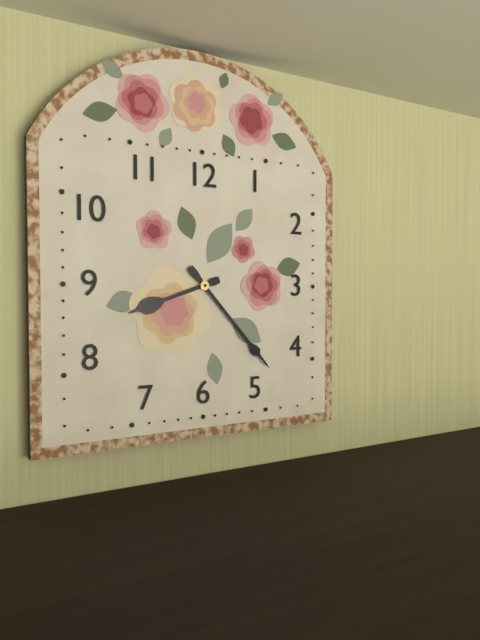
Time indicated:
**8:23**
